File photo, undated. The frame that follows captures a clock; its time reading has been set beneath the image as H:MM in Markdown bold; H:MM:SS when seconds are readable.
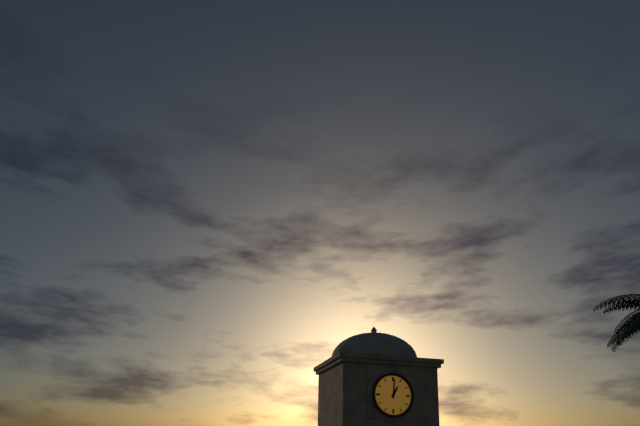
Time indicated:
**1:01**
